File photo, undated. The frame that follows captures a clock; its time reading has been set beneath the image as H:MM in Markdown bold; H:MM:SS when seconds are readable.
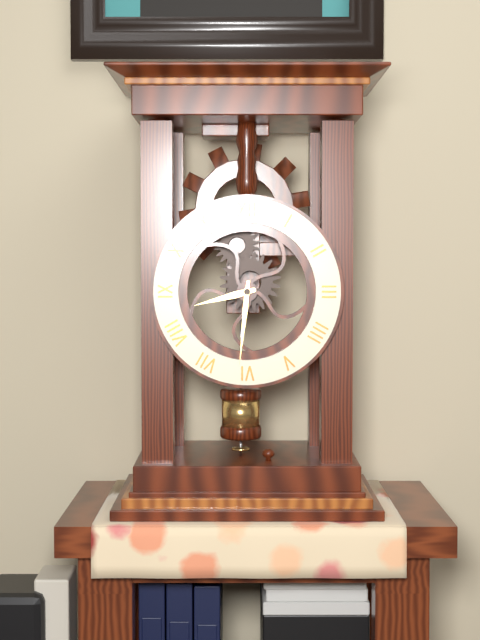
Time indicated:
**8:31**
